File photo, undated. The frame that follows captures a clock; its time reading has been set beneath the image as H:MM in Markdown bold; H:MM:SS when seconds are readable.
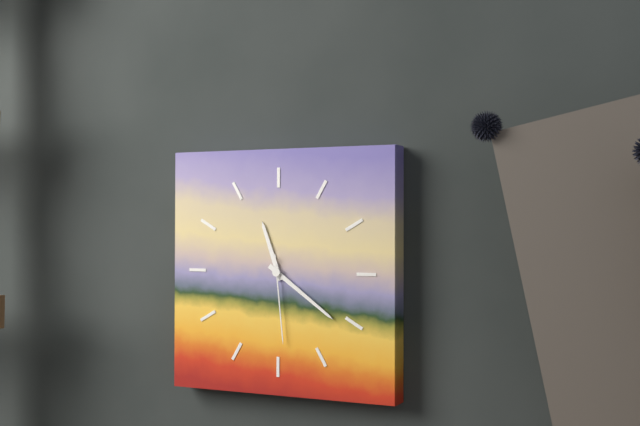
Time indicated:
**11:21:29**
